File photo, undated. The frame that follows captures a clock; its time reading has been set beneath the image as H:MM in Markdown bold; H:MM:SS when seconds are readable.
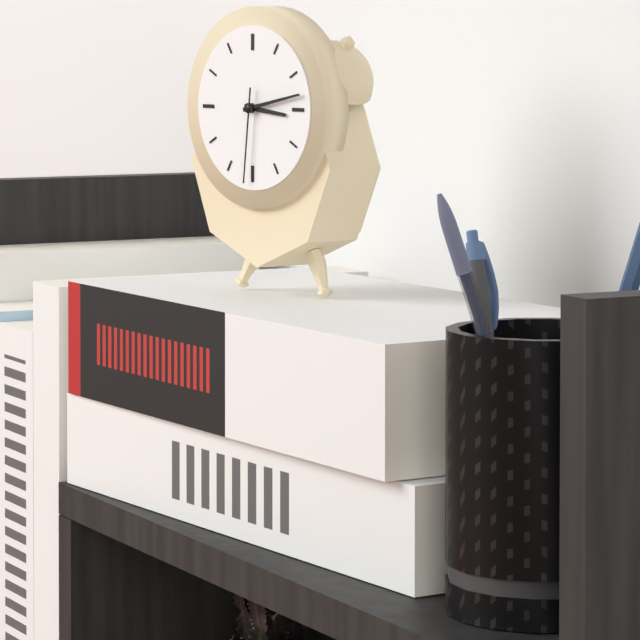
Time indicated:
**3:13:31**
